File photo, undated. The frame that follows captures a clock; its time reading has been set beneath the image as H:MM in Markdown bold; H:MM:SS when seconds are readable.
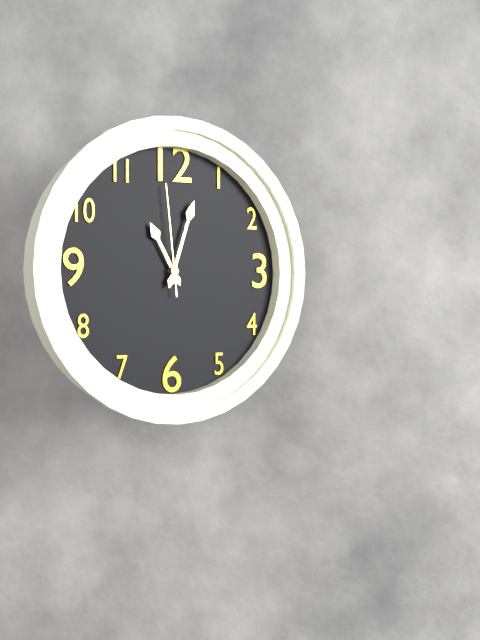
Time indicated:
**11:03:59**
